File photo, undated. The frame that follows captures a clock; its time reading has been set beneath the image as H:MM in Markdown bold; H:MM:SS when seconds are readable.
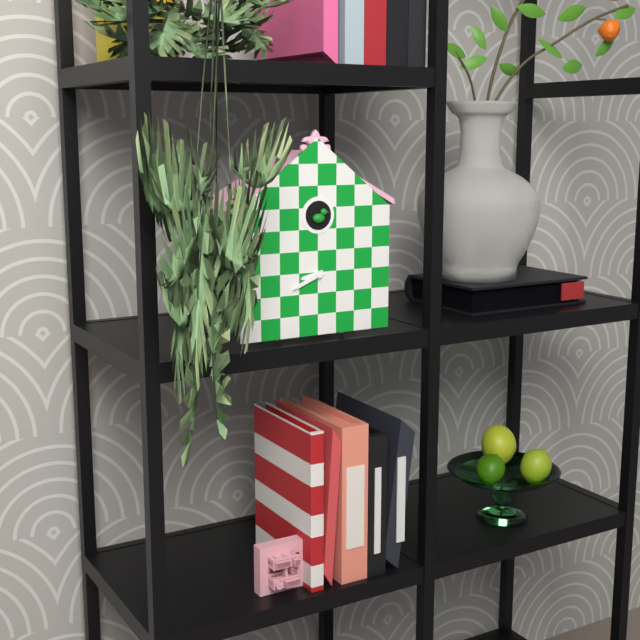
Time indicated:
**8:41**
